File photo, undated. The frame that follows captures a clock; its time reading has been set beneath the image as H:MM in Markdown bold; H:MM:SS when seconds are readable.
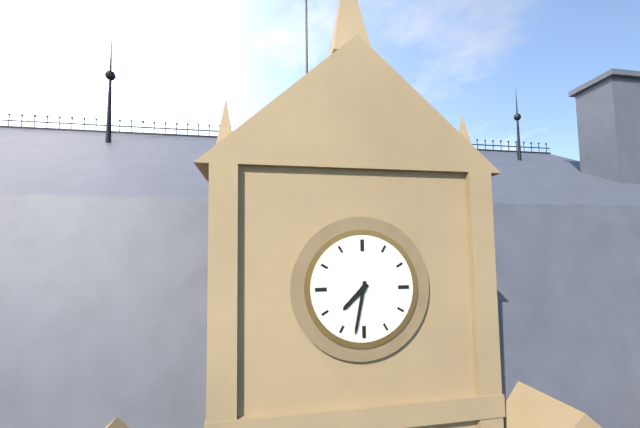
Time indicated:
**7:32**
